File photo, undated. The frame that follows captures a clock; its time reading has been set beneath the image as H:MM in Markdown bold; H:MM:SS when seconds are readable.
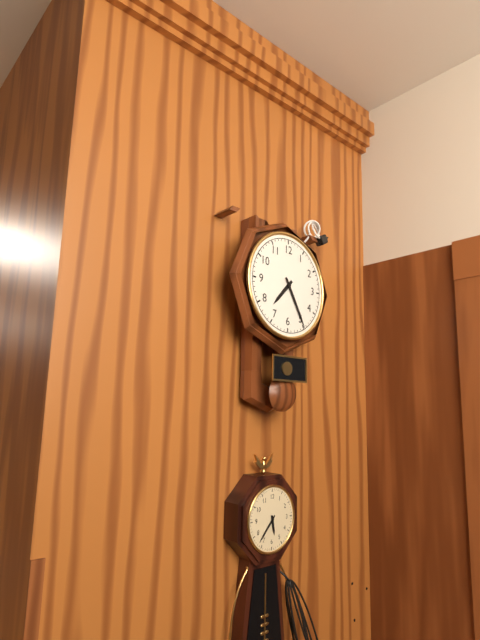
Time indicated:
**7:25**
